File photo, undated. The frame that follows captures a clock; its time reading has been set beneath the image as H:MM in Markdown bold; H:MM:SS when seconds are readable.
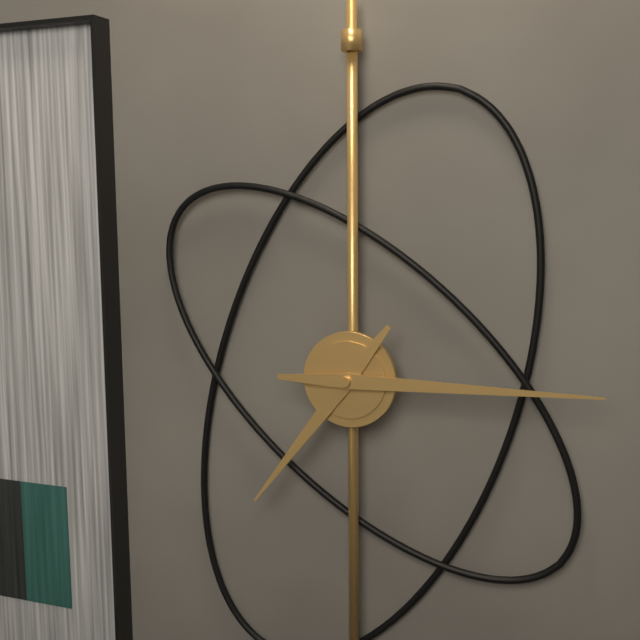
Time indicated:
**7:15**
